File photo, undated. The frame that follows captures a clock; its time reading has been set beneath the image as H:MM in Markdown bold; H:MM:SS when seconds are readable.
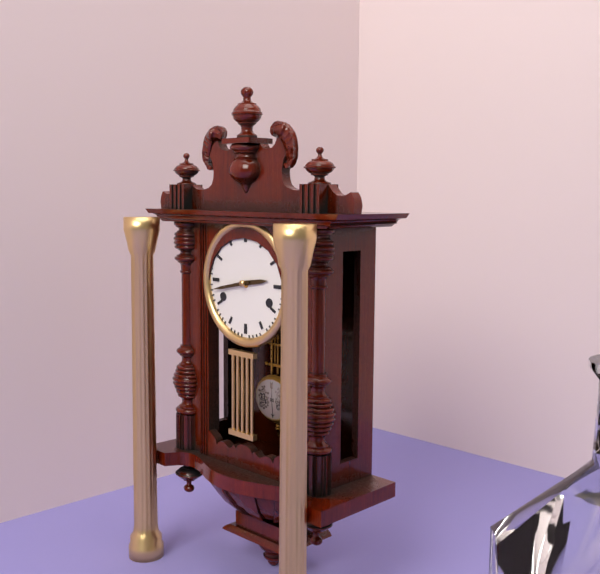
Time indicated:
**2:43**
